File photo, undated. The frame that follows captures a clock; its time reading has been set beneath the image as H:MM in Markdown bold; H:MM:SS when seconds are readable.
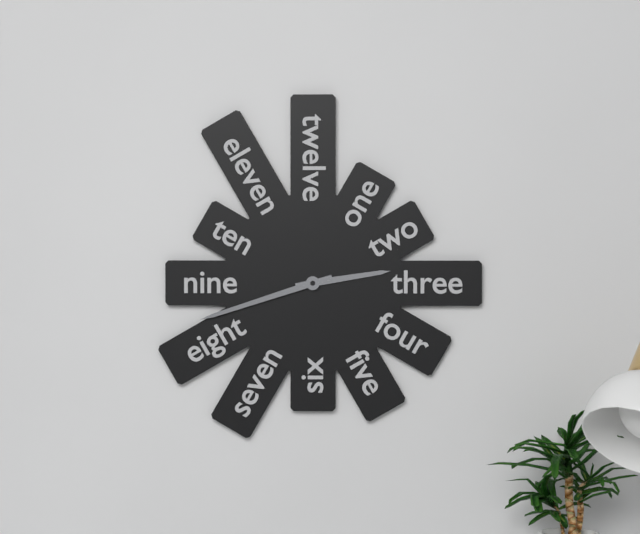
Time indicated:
**2:42**
